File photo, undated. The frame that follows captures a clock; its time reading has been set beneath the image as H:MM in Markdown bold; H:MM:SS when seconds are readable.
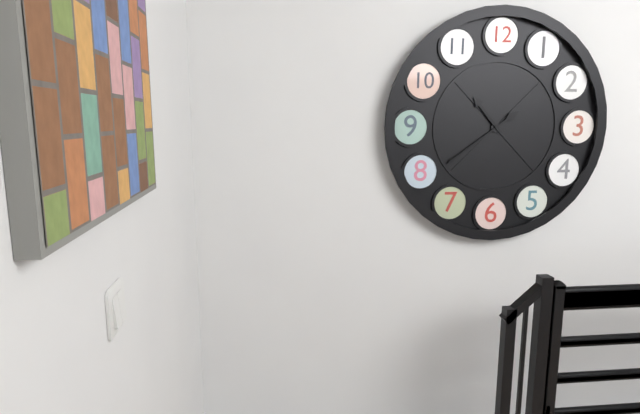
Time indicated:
**10:39**
